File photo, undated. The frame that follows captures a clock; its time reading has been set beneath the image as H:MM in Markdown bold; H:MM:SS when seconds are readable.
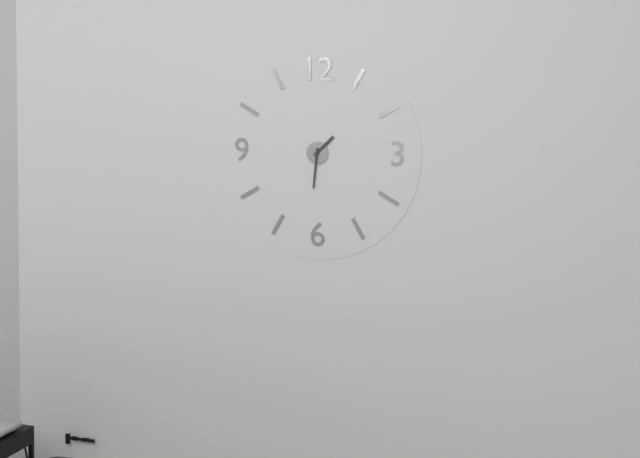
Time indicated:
**1:31**
